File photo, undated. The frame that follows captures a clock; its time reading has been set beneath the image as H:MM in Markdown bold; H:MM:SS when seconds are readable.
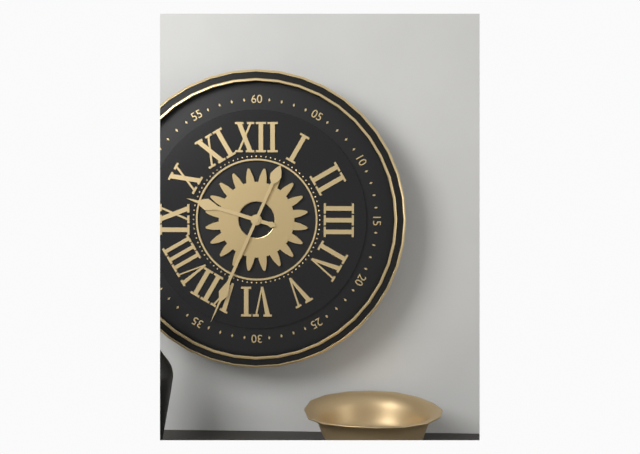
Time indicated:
**9:34**
